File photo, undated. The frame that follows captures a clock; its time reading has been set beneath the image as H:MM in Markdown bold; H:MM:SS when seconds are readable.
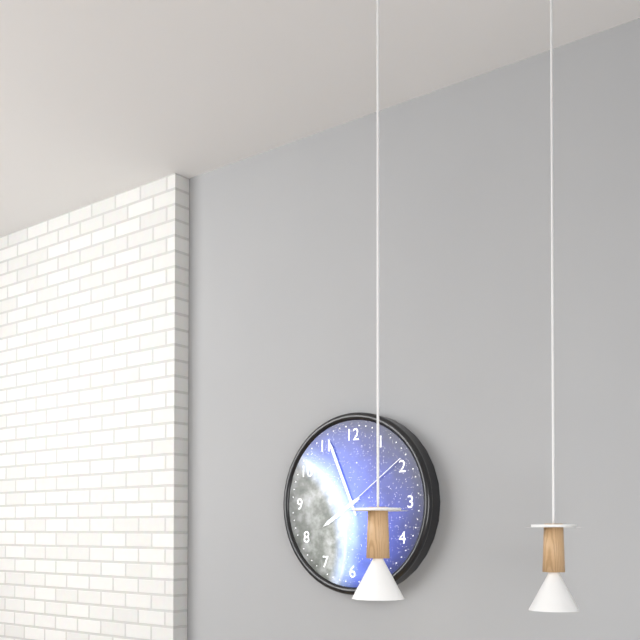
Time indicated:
**7:56:09**
